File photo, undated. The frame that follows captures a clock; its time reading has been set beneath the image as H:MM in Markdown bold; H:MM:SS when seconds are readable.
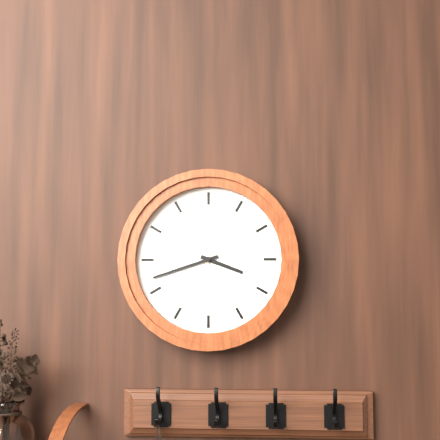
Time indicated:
**3:42:33**
